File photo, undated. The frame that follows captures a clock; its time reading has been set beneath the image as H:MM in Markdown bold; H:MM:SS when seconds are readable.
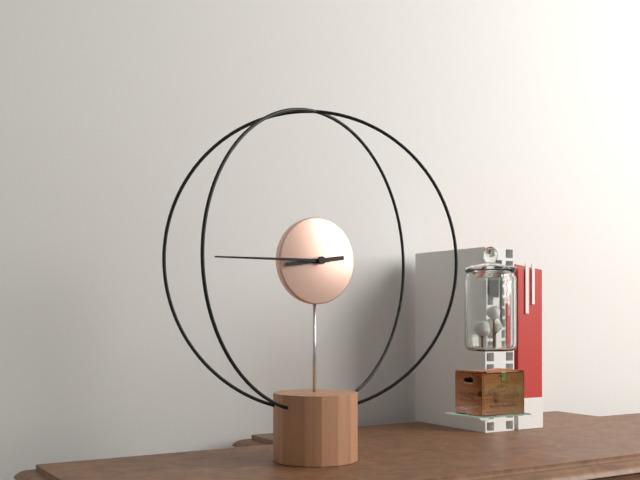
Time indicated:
**8:45**
